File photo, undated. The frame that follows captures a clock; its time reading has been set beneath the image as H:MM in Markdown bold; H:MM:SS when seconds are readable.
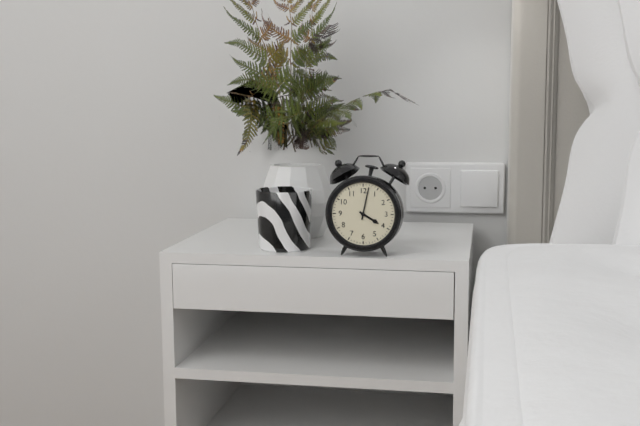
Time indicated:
**4:02**
